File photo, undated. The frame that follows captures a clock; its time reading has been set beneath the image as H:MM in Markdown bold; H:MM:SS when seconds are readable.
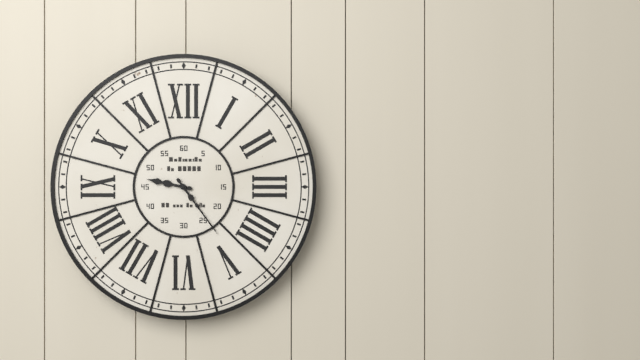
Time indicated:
**9:24**
